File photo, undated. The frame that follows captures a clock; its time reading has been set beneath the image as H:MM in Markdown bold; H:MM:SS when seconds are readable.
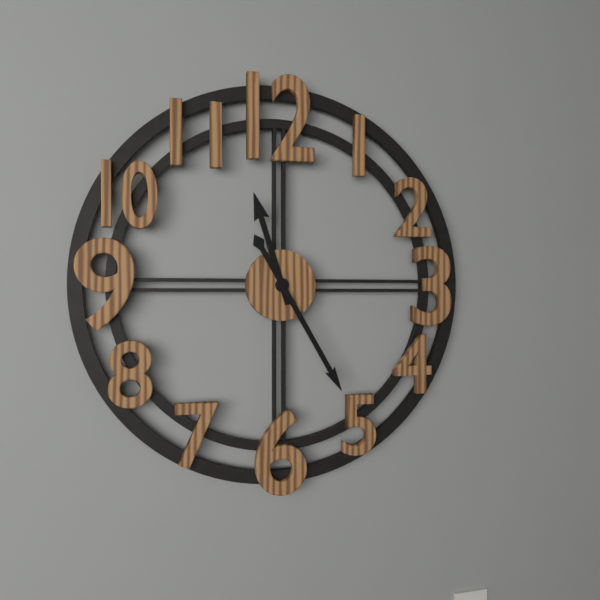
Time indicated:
**11:25**
